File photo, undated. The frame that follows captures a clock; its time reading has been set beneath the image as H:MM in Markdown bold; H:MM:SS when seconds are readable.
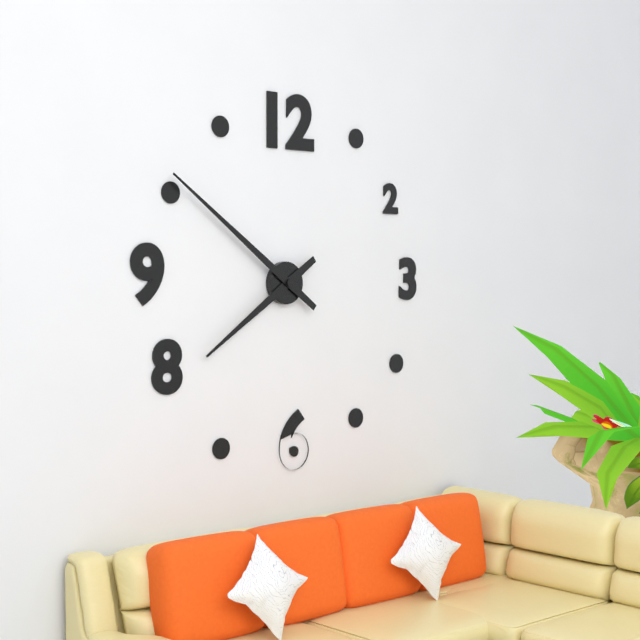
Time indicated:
**7:51**
